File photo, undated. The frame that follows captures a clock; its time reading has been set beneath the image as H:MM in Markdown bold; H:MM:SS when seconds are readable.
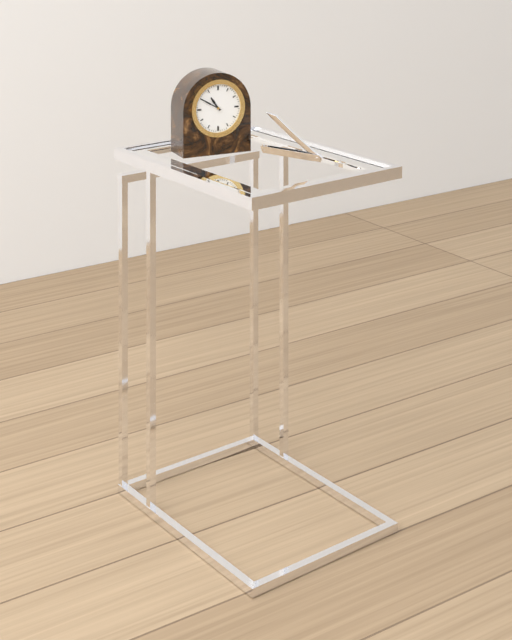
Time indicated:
**10:50**
